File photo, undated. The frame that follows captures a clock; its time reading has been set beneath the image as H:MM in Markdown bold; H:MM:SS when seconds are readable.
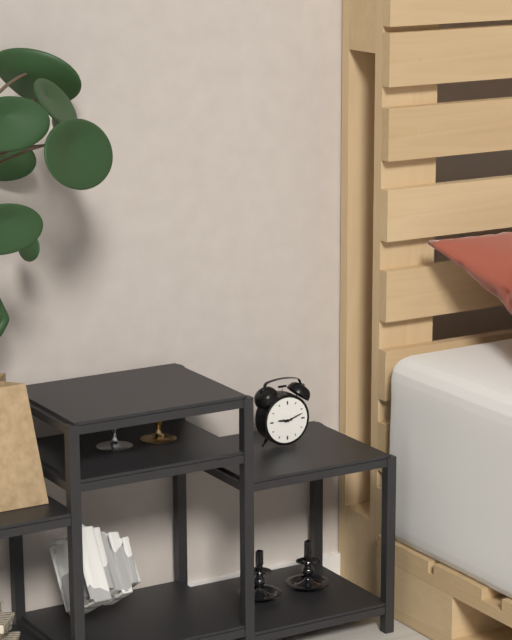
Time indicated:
**9:12**
